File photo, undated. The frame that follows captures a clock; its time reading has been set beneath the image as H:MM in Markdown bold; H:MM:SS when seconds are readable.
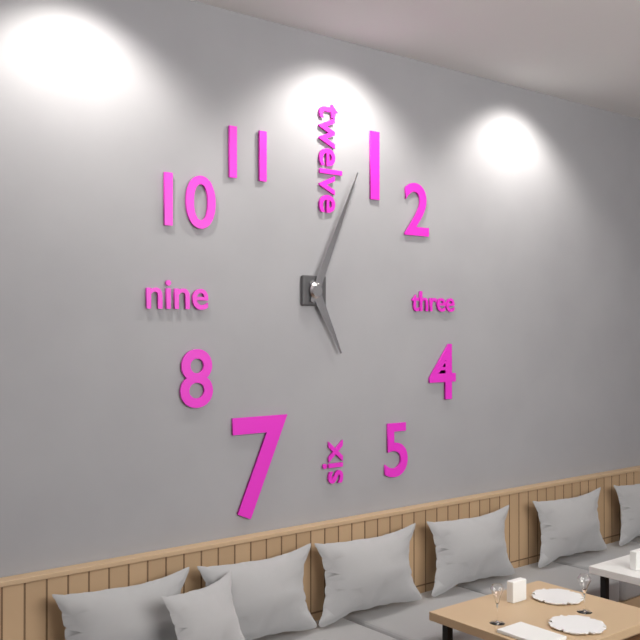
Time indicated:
**5:04**
